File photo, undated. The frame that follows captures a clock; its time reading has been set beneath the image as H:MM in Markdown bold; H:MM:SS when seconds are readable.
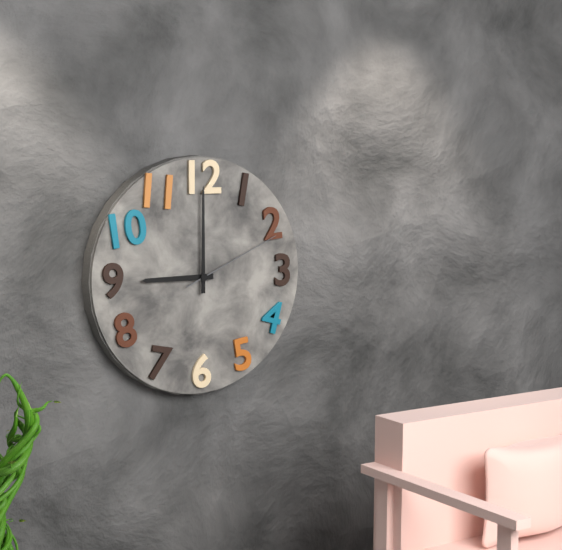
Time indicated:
**9:00:11**
